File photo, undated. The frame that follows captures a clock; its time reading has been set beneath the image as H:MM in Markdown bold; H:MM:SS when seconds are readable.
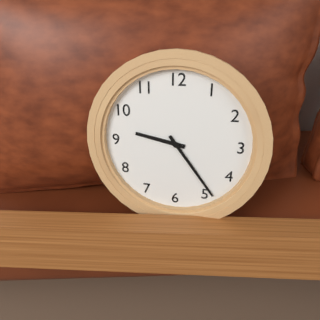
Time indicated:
**9:24**
